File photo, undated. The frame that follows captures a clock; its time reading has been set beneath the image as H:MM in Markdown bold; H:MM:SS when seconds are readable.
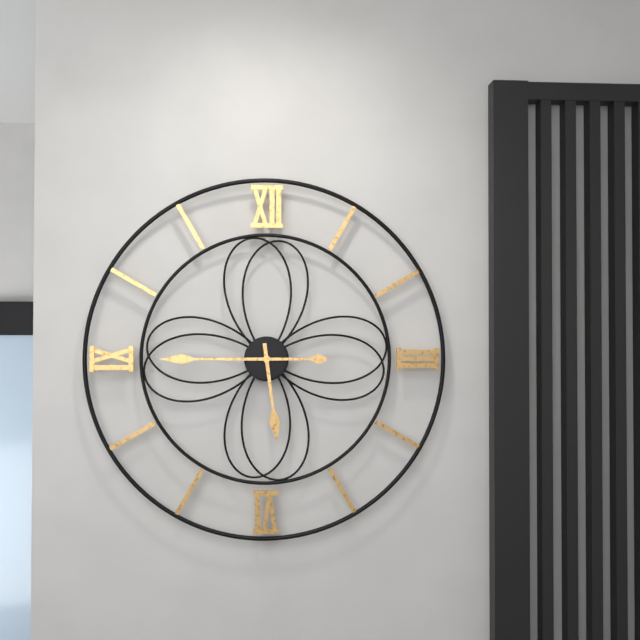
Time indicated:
**5:45**
